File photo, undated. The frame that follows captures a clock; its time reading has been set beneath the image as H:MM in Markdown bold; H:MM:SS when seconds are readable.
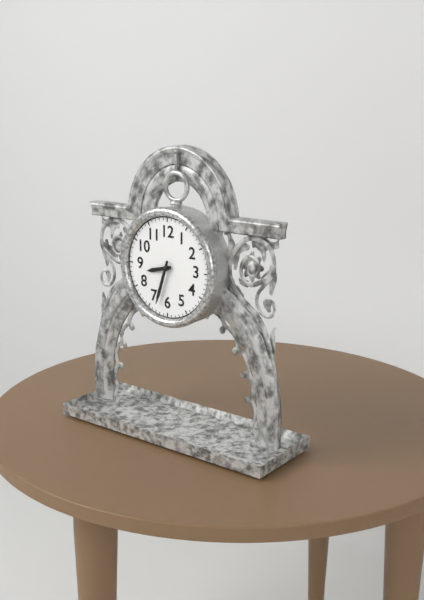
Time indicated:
**8:33**
